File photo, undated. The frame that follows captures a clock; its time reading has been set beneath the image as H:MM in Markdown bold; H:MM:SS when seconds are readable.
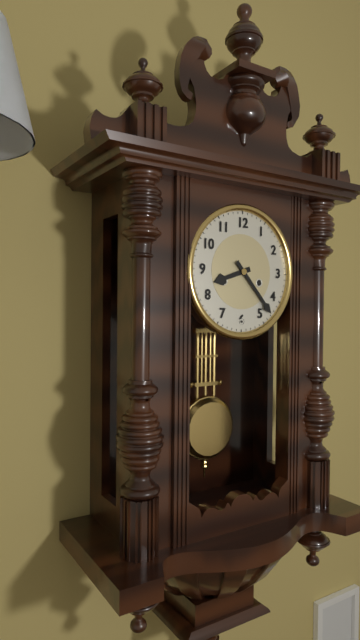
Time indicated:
**8:23**
